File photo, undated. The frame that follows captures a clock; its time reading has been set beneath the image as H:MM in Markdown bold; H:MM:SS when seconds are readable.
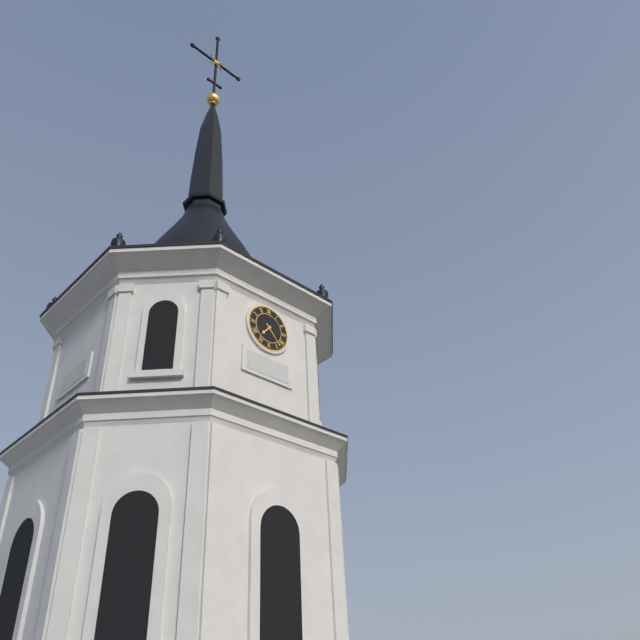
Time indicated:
**7:23**
